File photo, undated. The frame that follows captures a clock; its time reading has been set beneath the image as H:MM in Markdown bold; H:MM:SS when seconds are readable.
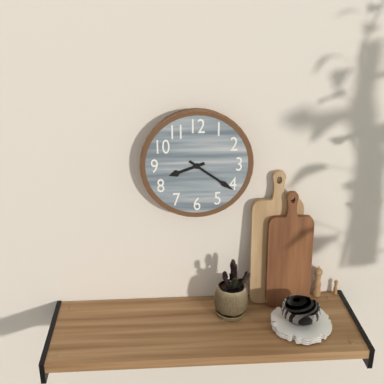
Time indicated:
**8:21**
